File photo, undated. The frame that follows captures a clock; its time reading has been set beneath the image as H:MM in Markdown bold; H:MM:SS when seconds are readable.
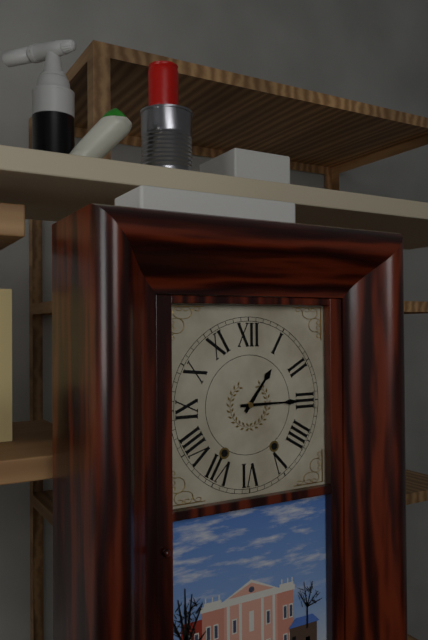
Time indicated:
**1:15**
